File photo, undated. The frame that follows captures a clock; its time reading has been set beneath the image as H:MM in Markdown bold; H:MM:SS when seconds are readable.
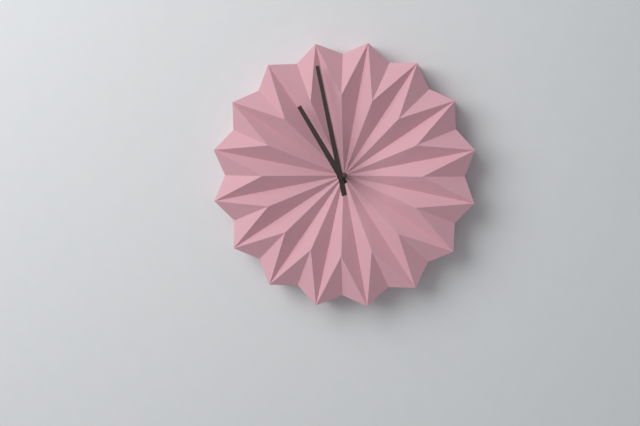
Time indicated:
**10:58**
